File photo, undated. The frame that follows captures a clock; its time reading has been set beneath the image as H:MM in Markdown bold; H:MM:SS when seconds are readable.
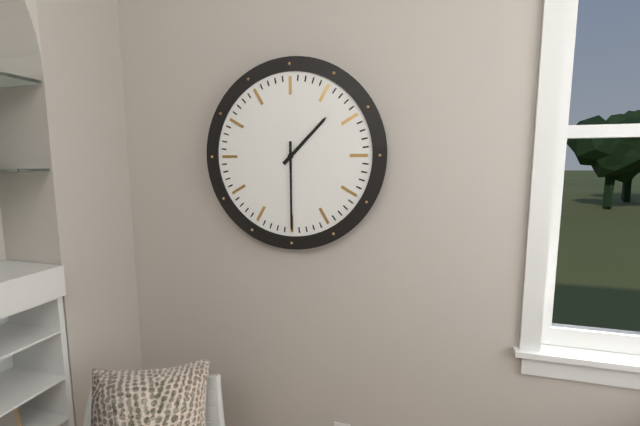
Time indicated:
**1:30**
